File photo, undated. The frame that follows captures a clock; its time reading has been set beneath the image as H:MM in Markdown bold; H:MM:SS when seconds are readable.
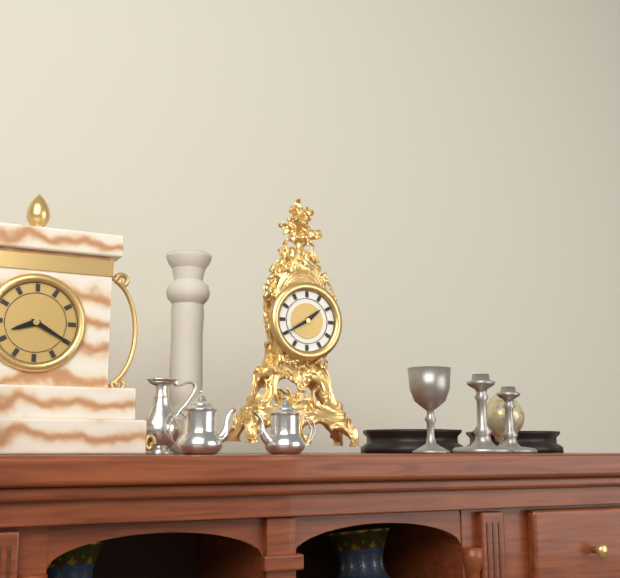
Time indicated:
**1:40**
